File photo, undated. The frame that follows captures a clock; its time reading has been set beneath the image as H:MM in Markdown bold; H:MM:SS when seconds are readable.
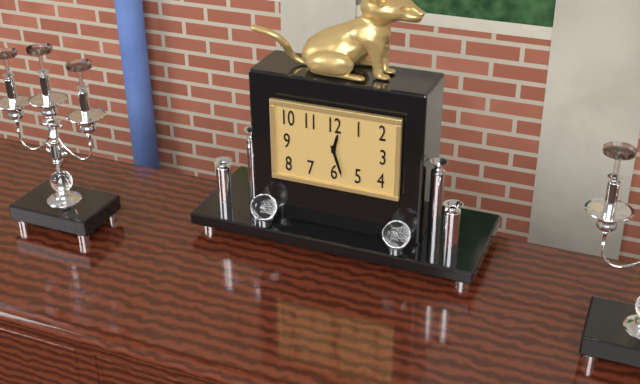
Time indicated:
**12:27**
